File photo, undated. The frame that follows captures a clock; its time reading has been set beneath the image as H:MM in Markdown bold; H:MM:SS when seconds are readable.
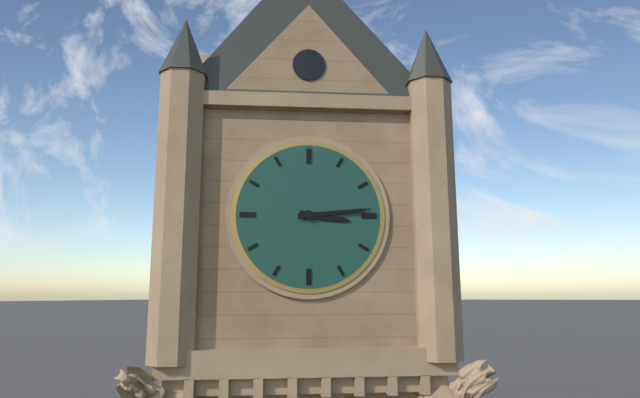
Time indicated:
**3:14**
